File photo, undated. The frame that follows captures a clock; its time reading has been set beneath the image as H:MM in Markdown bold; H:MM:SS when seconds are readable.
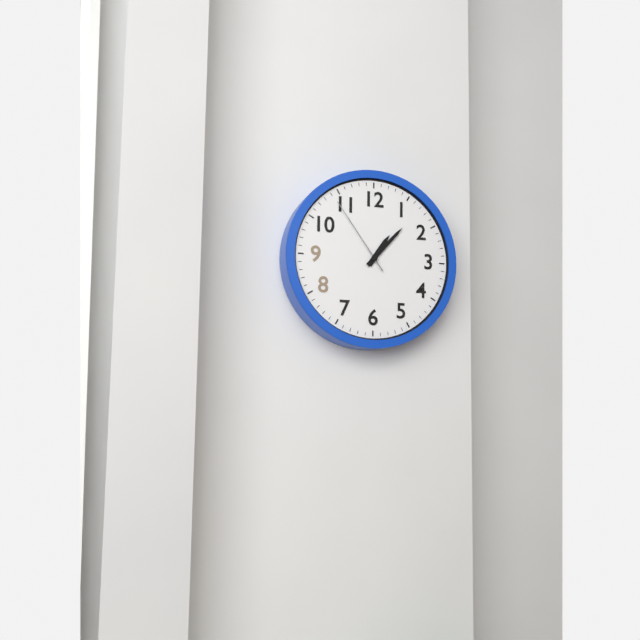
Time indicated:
**1:07:54**
